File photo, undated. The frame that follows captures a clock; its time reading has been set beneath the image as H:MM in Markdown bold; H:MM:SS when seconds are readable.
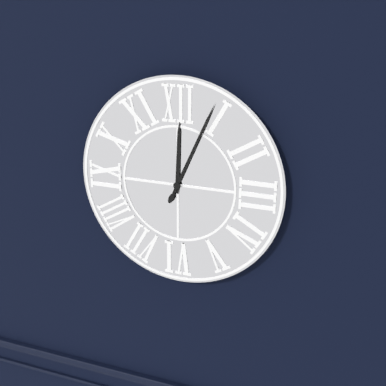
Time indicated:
**12:04**
